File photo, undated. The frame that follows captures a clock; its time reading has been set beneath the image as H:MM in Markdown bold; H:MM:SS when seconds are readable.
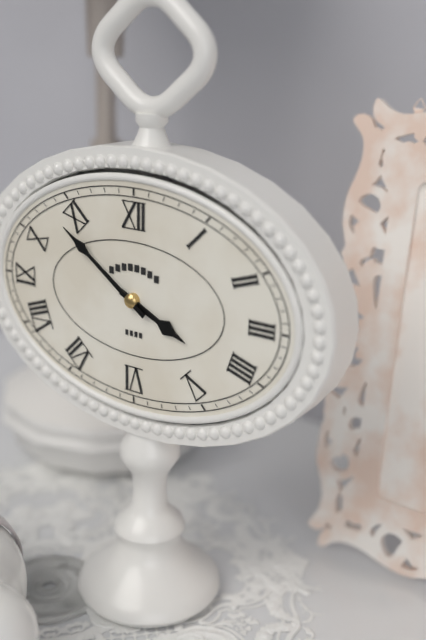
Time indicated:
**3:51**
